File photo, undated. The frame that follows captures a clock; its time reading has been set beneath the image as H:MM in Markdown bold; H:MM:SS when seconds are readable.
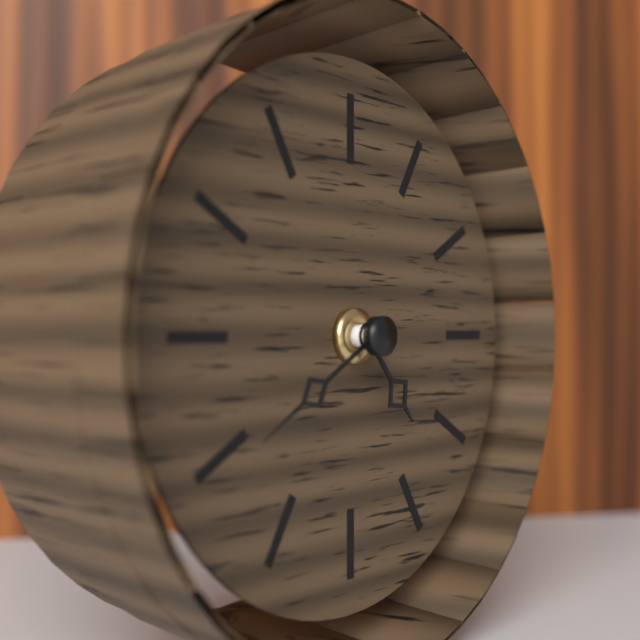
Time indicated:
**4:40**
